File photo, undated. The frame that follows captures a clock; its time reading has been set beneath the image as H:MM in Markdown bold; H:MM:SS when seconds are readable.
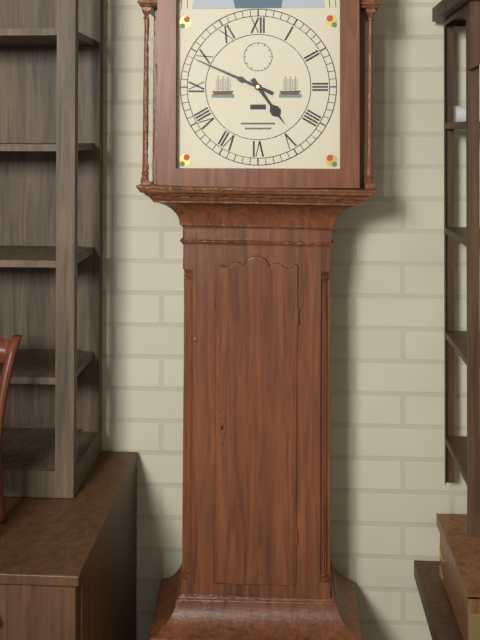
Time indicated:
**4:49**
